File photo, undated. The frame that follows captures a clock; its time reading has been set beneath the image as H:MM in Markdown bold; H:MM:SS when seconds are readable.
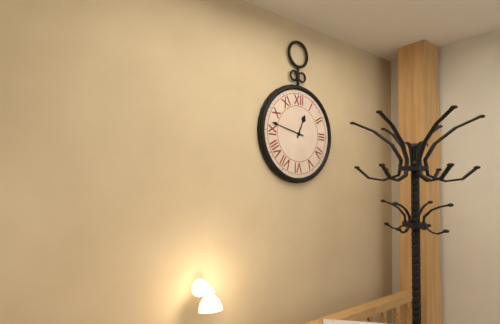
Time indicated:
**12:47**
